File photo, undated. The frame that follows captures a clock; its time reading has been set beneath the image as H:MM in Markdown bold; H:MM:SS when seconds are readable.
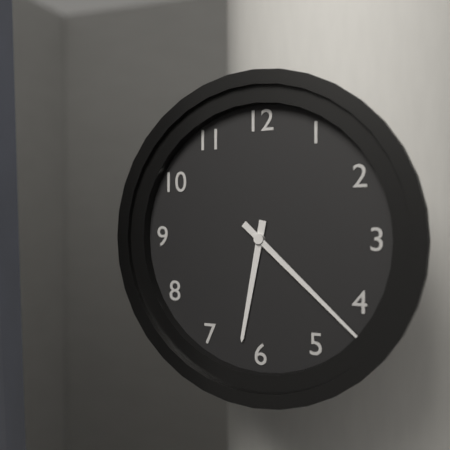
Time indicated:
**6:22**
